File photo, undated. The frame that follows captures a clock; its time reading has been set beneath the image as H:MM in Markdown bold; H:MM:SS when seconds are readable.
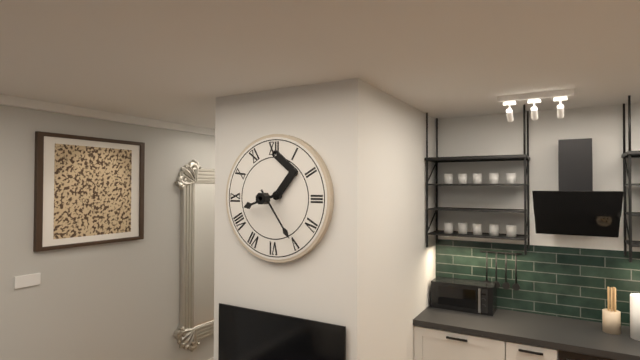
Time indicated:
**8:24**
